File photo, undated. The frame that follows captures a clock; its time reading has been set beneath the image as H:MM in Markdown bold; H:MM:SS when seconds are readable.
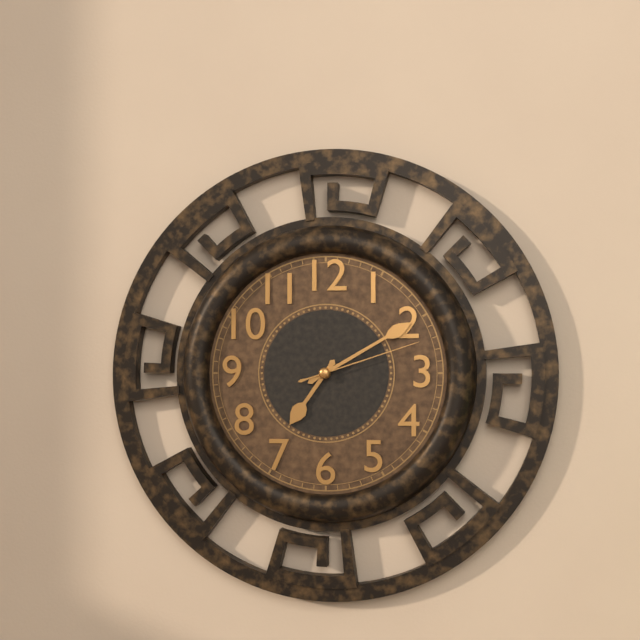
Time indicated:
**7:10:12**
